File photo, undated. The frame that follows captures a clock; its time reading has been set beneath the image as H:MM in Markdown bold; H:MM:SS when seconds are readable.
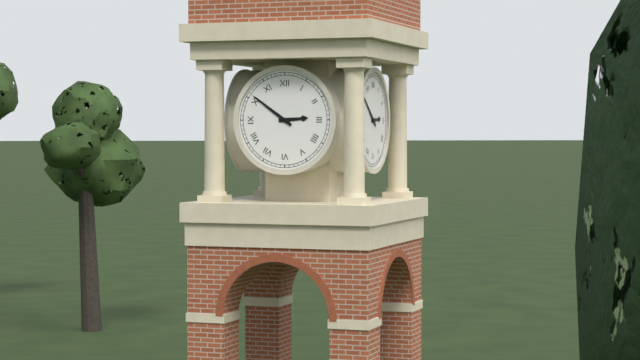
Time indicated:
**2:51**
